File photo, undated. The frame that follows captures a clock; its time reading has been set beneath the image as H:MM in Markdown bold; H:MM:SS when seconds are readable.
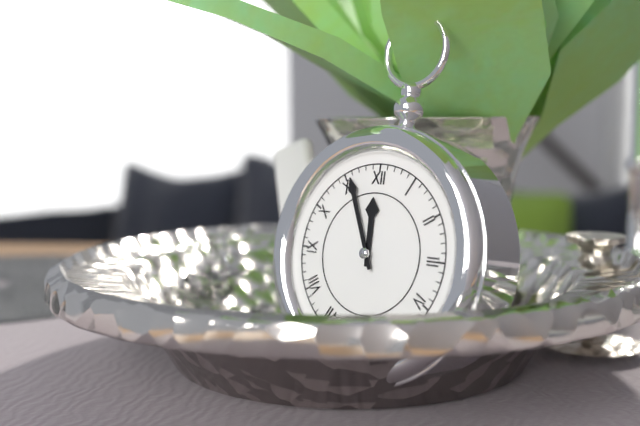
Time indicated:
**11:56**
